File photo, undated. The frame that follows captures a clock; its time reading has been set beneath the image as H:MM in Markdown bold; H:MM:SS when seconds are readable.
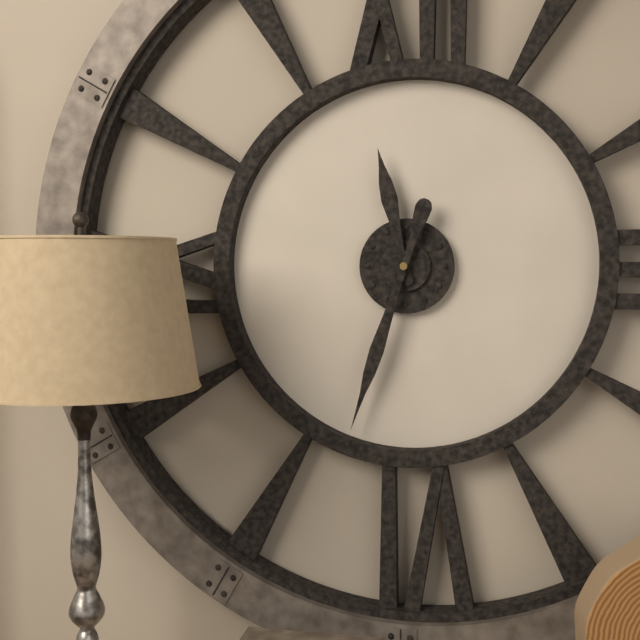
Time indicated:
**11:33**
